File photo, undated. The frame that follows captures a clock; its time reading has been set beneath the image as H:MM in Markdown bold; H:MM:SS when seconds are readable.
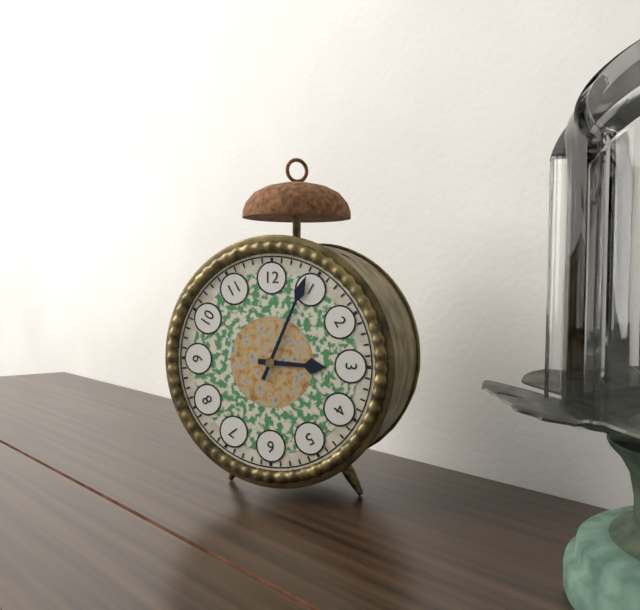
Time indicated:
**3:04**
